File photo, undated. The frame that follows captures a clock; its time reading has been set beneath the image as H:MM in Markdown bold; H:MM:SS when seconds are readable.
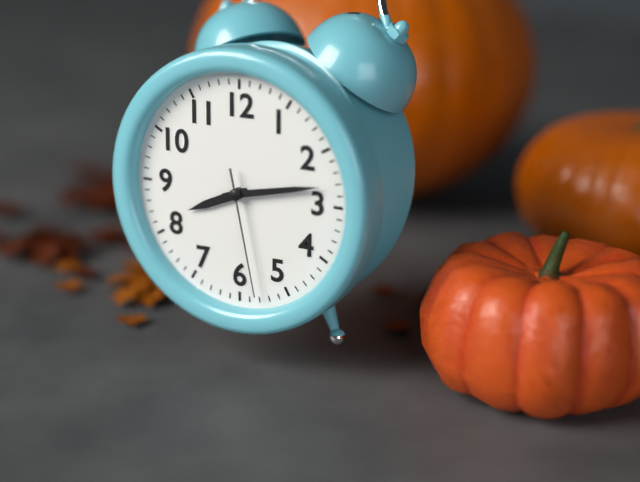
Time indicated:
**8:13:28**
